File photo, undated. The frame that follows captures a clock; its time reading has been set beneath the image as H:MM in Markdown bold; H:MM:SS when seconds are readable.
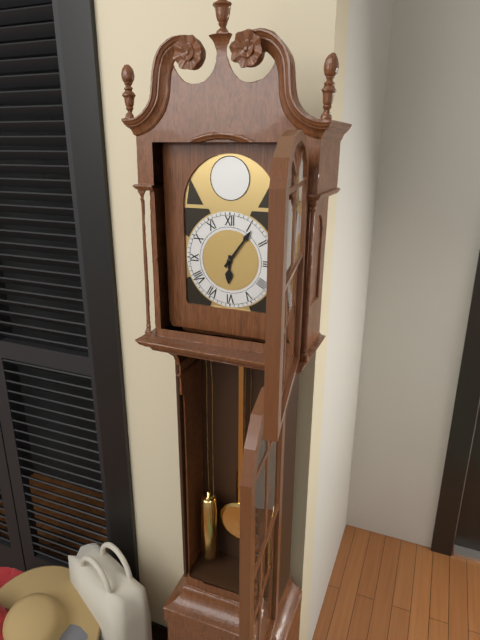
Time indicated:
**6:06**
